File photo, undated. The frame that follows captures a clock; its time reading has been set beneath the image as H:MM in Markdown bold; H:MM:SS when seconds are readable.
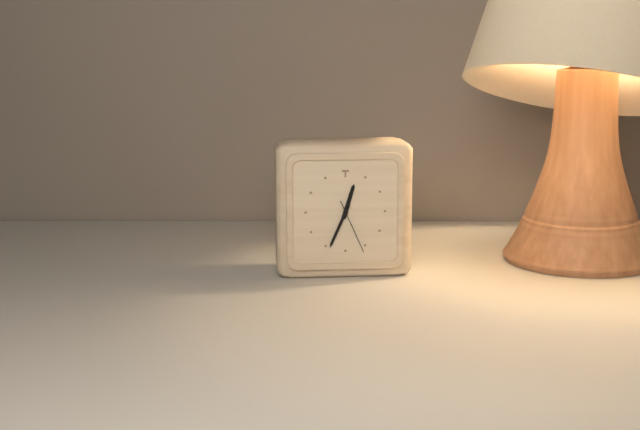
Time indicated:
**12:34:26**
